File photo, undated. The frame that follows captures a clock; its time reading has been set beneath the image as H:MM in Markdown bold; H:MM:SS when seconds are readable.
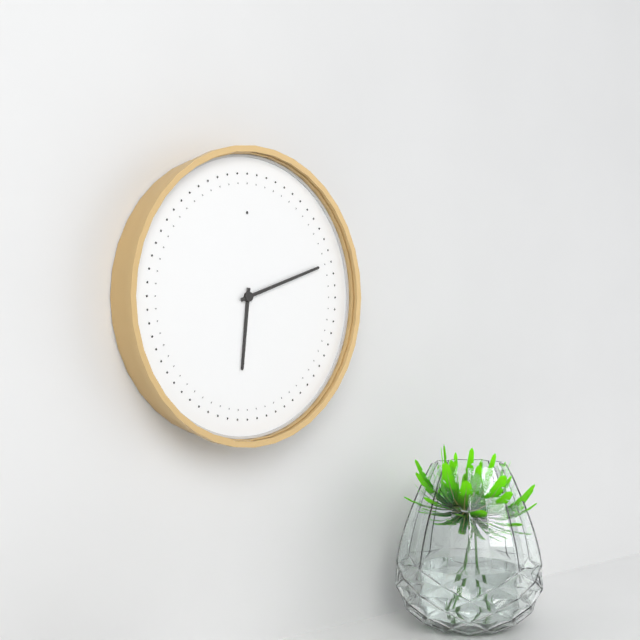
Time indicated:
**6:12**
